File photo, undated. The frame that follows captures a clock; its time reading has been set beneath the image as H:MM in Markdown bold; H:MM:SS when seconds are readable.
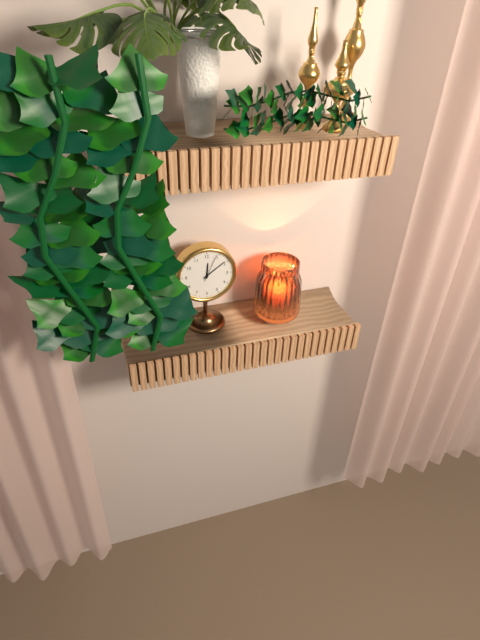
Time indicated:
**12:09**
